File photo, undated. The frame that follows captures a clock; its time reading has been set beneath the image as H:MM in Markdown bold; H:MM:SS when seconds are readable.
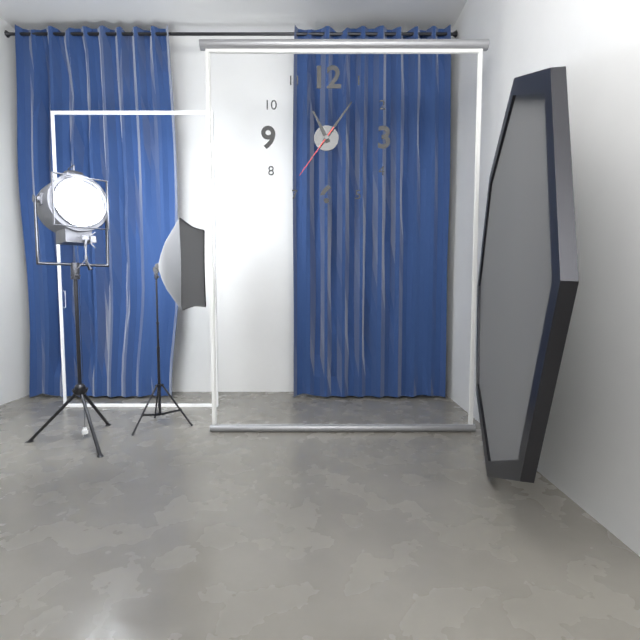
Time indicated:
**11:06:36**
